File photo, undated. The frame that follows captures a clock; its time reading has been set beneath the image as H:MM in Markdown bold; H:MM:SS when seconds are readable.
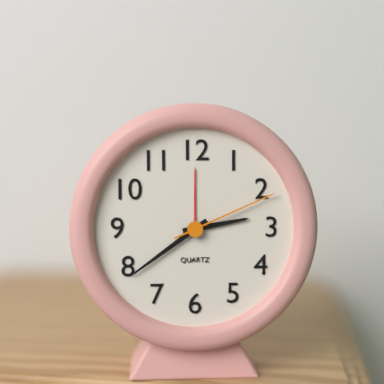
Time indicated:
**2:39:11**
